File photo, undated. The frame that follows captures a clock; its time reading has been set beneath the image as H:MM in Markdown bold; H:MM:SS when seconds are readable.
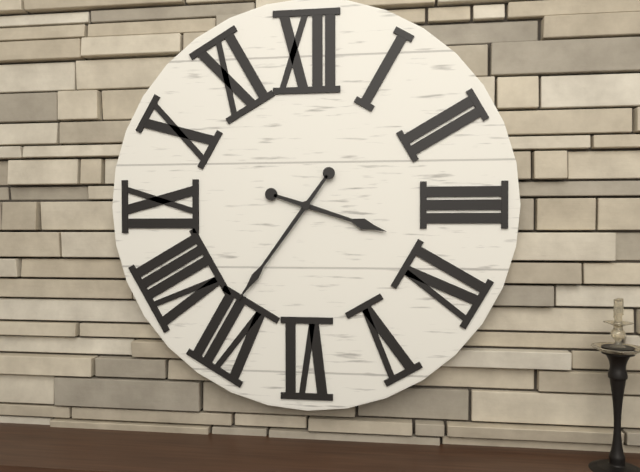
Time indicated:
**3:36**
